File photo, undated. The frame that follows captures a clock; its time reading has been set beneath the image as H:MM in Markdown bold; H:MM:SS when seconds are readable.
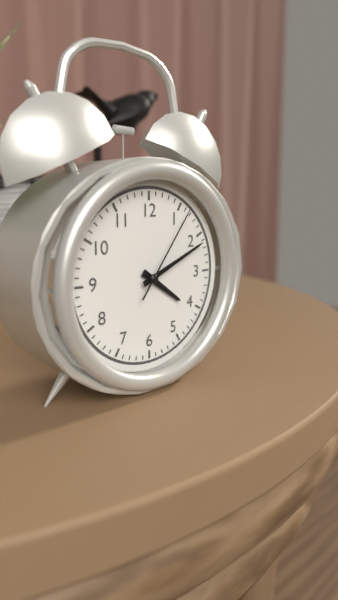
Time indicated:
**4:11:06**
